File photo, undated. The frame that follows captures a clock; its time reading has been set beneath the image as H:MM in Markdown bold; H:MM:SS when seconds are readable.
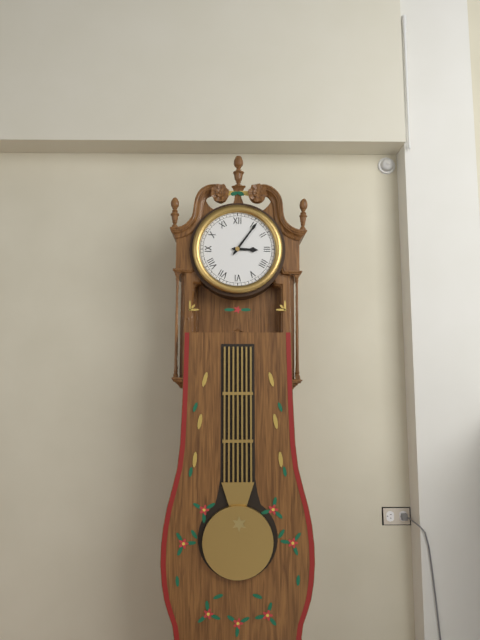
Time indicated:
**3:06**
